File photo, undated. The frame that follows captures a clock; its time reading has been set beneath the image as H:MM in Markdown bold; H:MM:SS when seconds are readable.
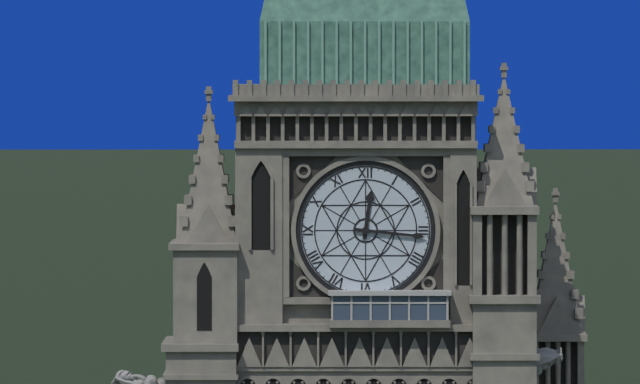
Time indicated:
**12:16**
